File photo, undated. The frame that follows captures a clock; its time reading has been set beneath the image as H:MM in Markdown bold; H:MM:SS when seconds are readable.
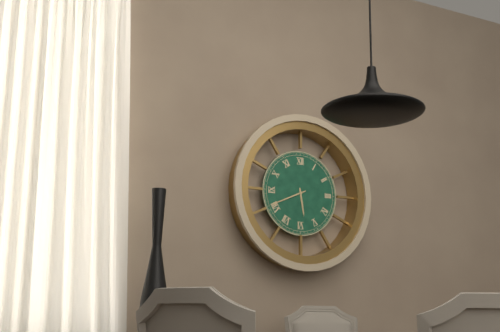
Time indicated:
**5:41**
